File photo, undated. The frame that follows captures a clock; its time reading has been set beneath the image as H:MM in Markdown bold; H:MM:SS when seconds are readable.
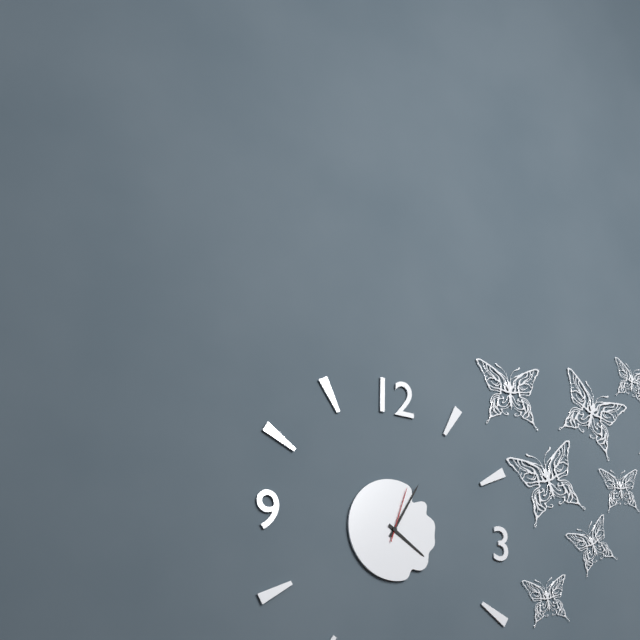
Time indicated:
**4:05:03**
